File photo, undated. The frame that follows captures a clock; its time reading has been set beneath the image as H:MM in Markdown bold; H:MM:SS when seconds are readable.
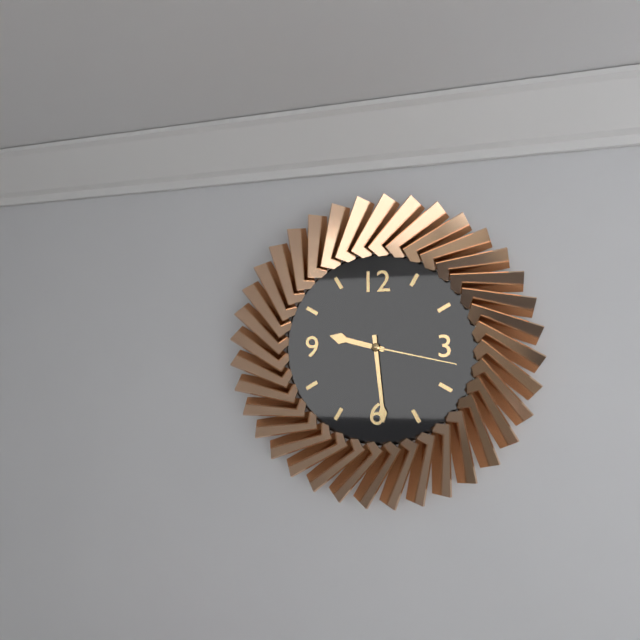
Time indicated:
**9:29:17**
